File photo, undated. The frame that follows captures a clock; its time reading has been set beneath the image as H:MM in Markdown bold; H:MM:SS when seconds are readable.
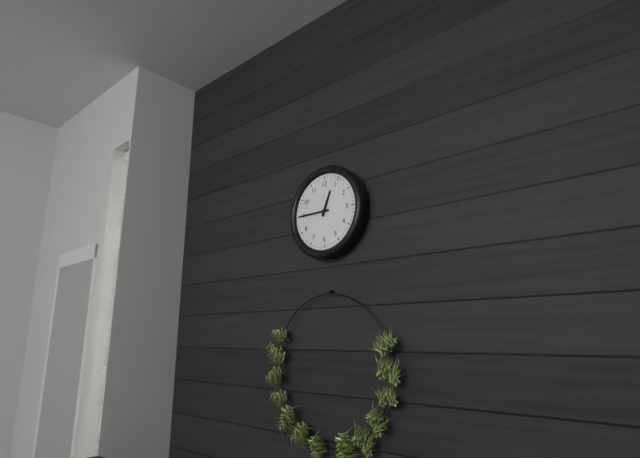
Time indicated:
**12:45**
